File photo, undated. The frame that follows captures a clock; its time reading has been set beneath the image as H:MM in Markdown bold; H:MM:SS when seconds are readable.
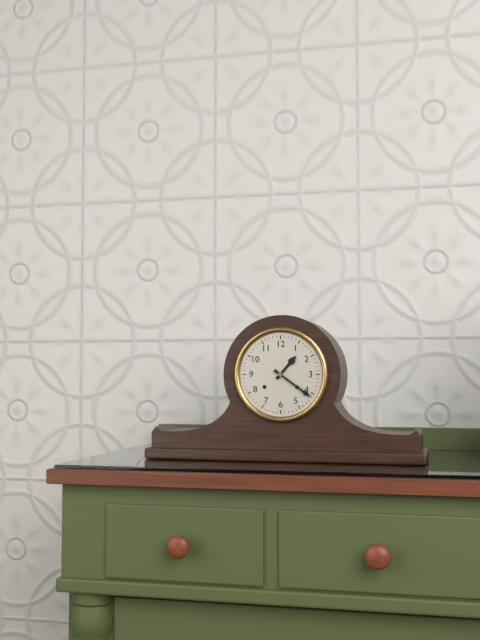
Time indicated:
**1:21**
